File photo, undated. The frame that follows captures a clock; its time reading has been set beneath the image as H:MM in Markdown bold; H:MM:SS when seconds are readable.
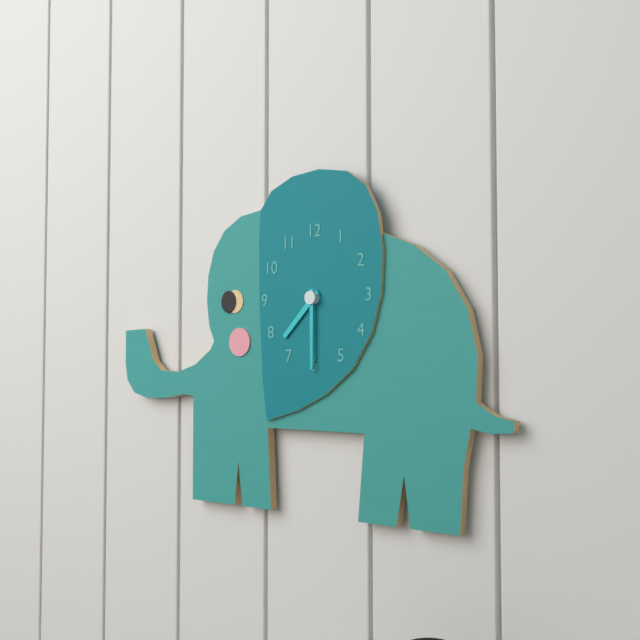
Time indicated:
**7:30**
